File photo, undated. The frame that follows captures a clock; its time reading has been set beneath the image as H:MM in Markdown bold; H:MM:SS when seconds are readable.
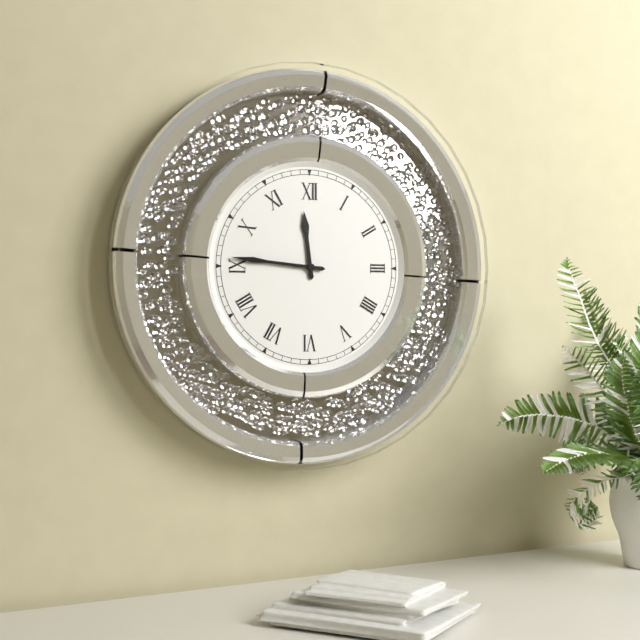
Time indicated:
**11:46**
